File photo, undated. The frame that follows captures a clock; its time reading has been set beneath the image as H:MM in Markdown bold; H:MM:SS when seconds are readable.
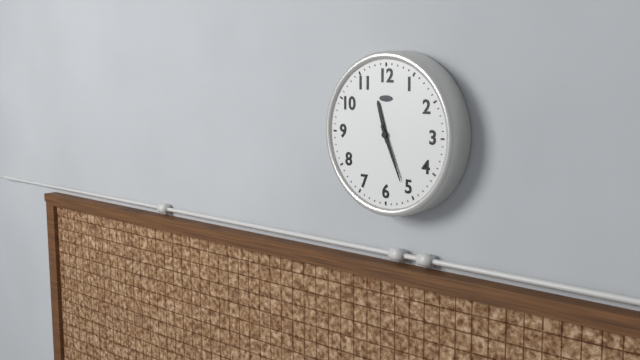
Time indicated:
**11:26**
